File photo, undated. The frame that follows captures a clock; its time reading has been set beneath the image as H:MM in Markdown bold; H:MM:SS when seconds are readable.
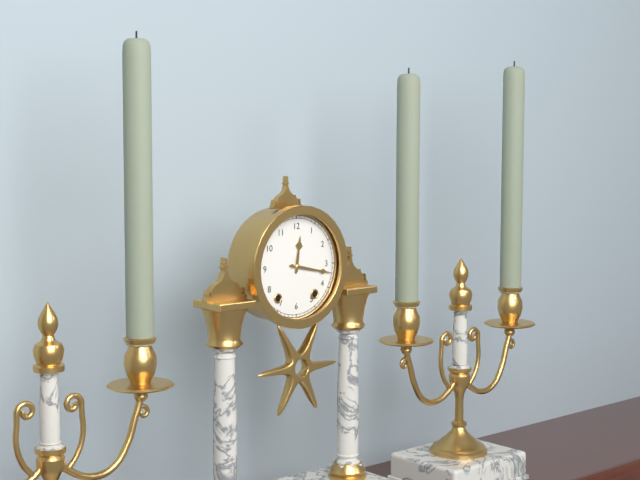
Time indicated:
**12:17**
